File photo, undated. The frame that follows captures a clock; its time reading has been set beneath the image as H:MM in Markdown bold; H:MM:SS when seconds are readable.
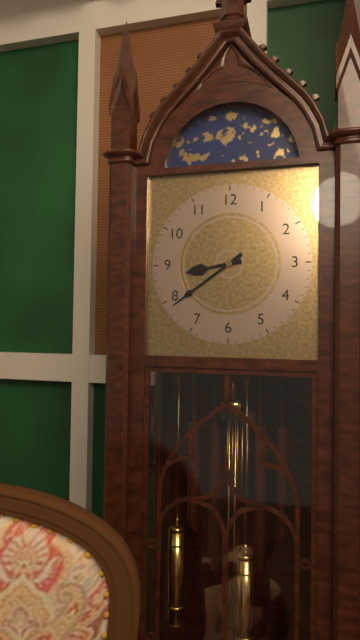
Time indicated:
**8:39**
